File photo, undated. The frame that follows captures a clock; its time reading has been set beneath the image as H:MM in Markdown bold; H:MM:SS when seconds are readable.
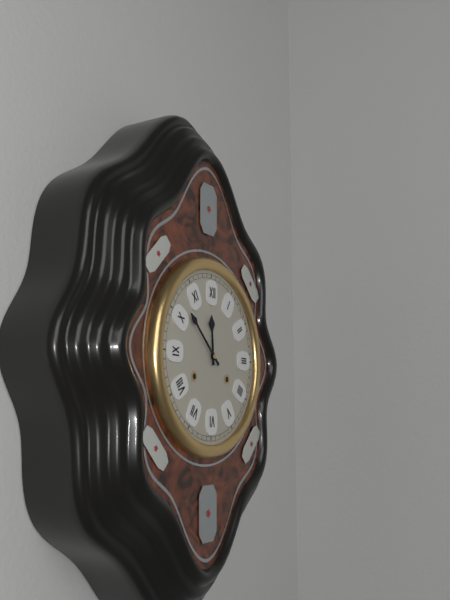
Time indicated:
**11:52**
